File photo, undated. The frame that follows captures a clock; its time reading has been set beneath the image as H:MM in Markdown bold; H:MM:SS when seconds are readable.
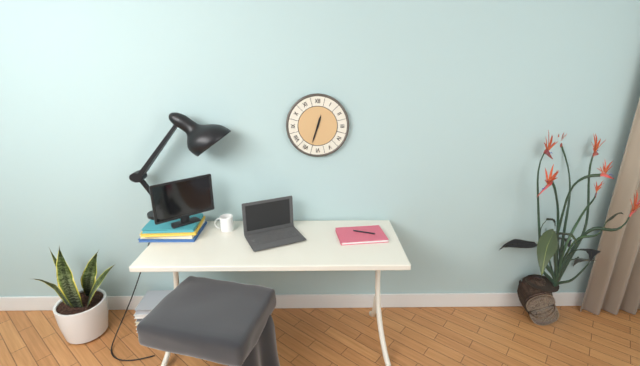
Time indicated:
**12:33**
